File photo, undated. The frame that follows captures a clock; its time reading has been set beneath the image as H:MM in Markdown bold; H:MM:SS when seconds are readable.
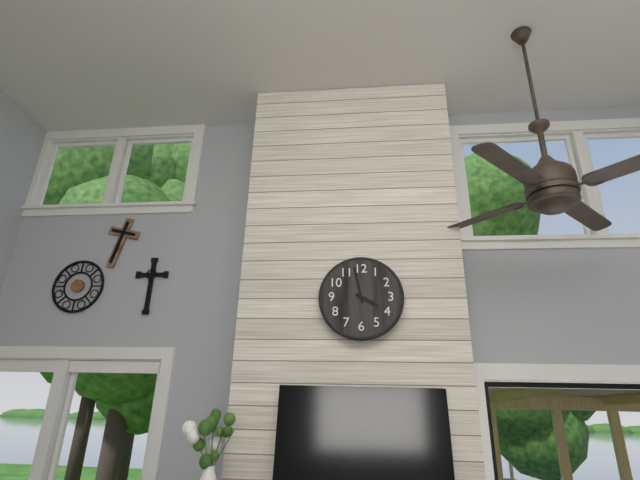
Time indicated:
**3:58**
